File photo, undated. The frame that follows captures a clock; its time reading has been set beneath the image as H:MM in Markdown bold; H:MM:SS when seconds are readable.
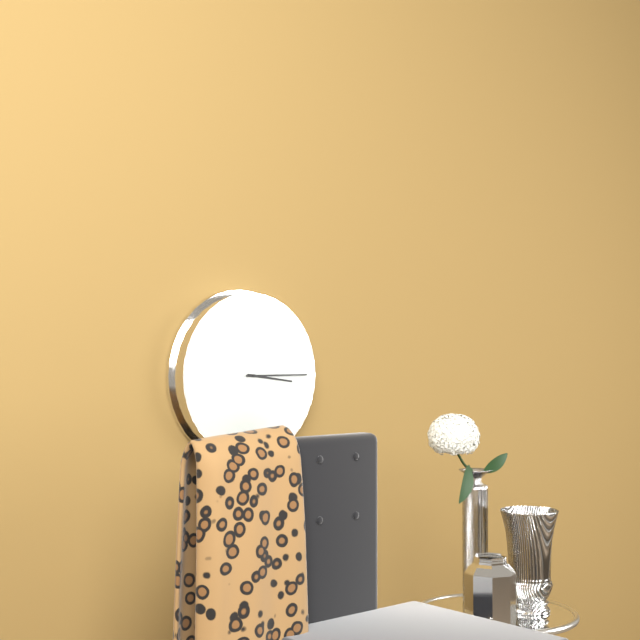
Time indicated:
**3:15**
